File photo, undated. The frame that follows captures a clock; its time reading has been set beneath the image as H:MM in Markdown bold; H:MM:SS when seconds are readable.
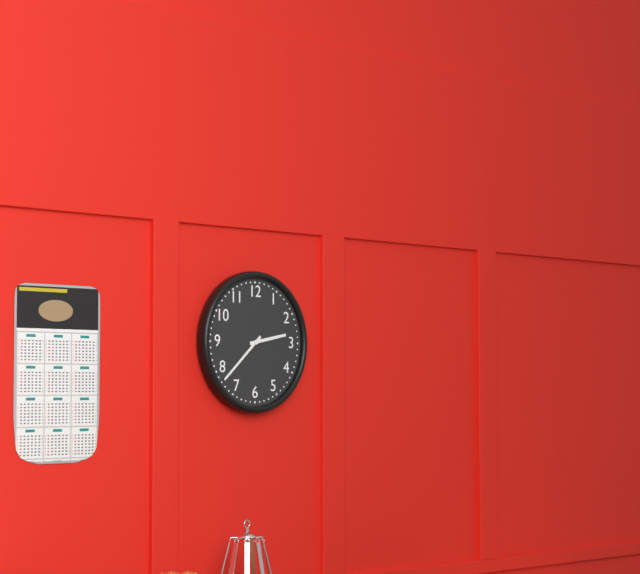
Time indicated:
**2:38**
